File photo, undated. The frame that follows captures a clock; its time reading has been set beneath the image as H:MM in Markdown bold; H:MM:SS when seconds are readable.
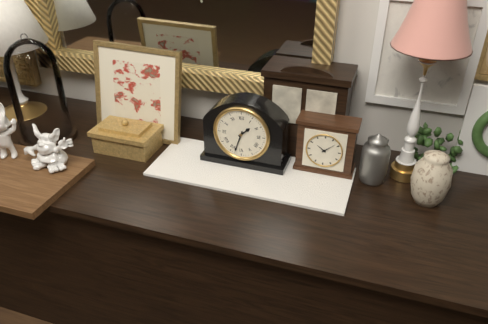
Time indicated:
**1:33**
